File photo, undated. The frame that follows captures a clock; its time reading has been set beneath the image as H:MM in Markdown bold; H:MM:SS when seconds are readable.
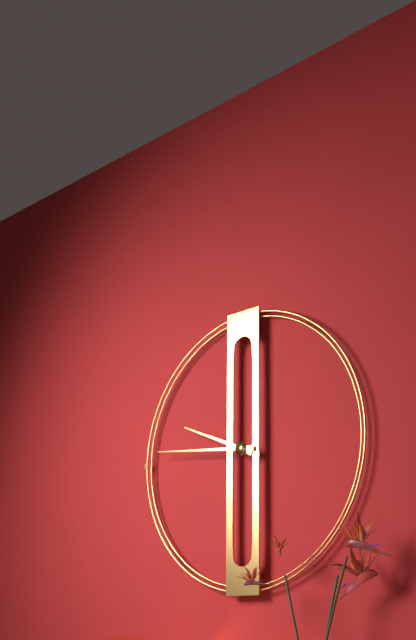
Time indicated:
**9:46**
